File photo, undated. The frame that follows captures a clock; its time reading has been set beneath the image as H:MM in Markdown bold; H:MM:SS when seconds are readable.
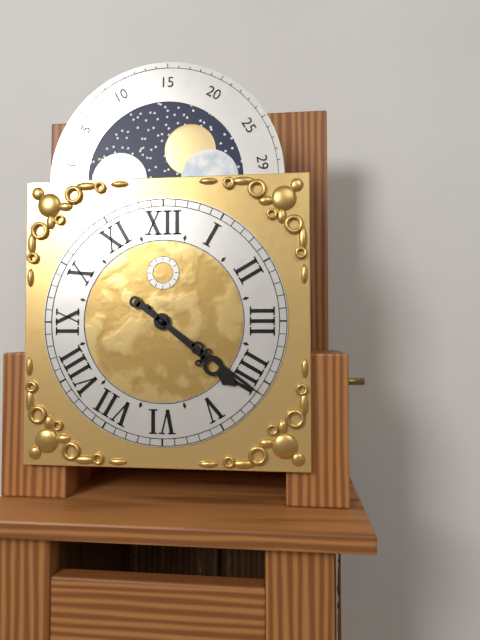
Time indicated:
**4:21**
